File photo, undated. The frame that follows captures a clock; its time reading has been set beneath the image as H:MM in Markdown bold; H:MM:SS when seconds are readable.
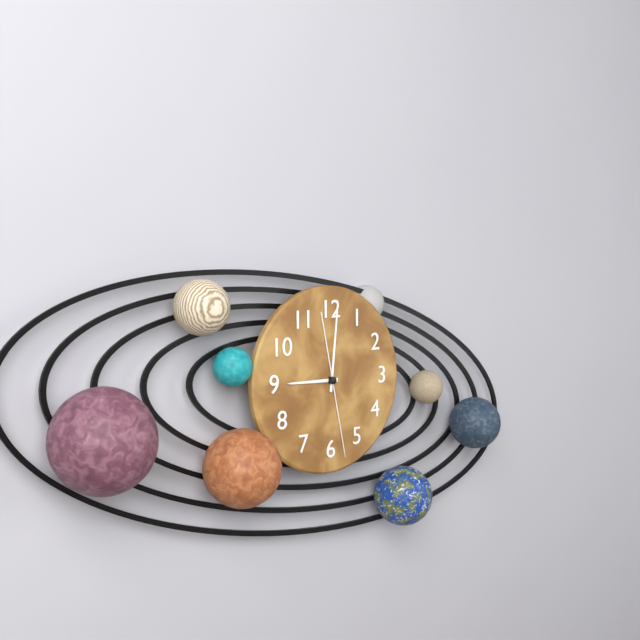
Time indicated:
**9:01:28**
